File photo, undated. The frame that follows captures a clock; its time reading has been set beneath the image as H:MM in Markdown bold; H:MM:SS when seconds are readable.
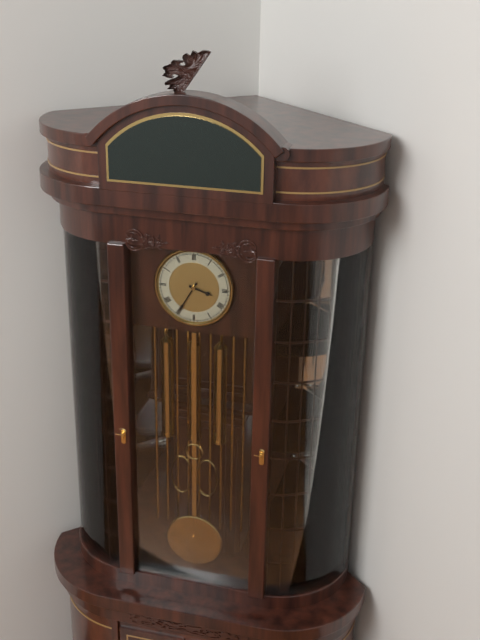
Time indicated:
**3:35**
